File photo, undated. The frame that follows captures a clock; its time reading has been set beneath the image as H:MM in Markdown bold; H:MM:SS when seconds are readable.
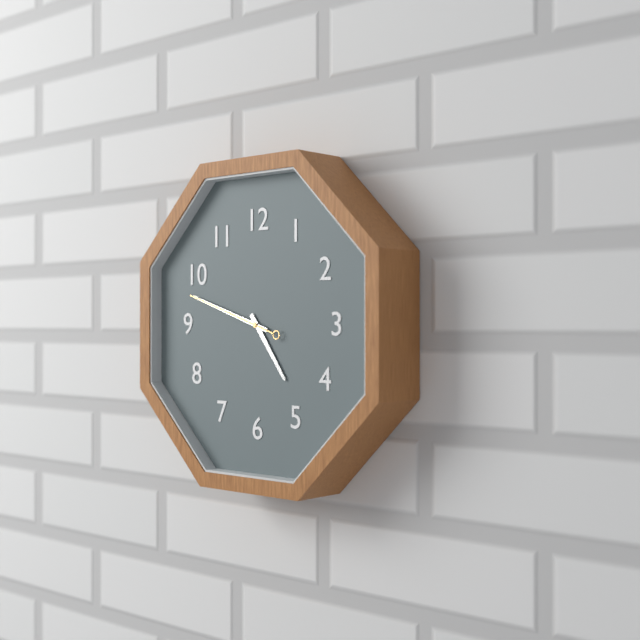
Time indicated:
**4:48:48**
